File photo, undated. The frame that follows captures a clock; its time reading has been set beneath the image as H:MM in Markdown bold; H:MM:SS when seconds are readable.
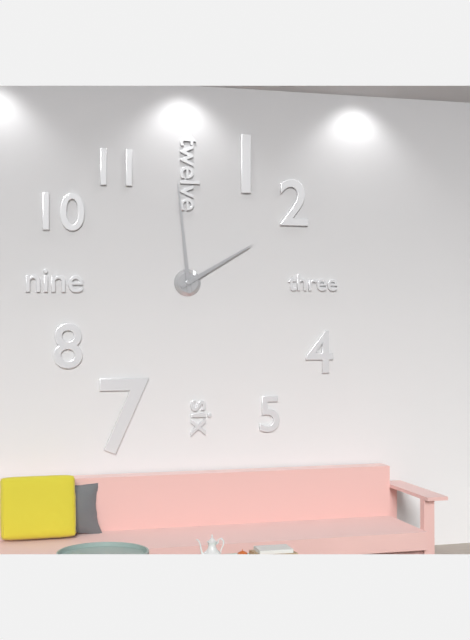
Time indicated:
**1:59**
